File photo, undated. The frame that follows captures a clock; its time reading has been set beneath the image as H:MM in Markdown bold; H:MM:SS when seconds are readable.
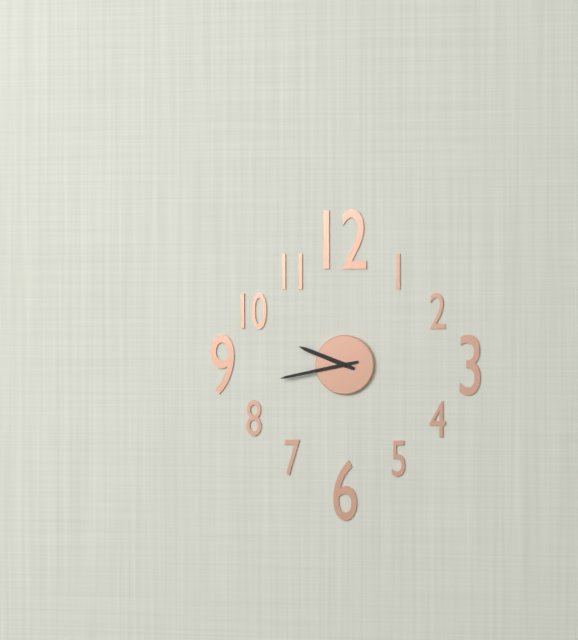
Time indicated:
**9:43**
